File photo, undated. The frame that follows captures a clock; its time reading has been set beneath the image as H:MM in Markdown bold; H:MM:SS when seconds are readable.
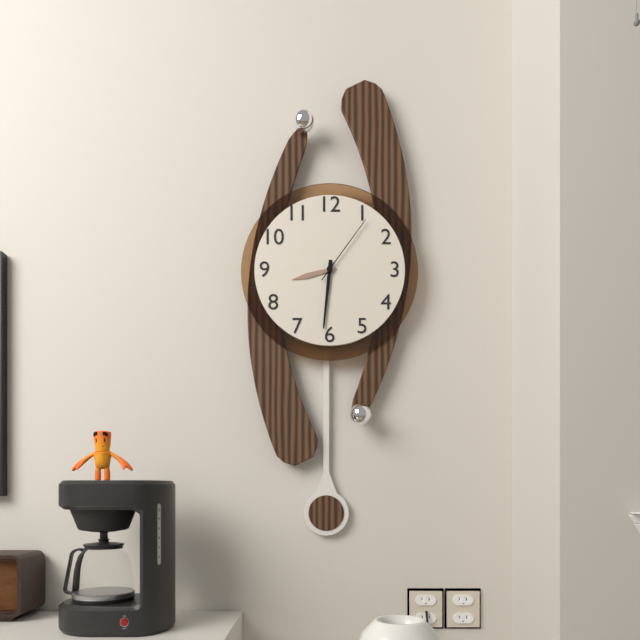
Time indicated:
**8:31:06**
